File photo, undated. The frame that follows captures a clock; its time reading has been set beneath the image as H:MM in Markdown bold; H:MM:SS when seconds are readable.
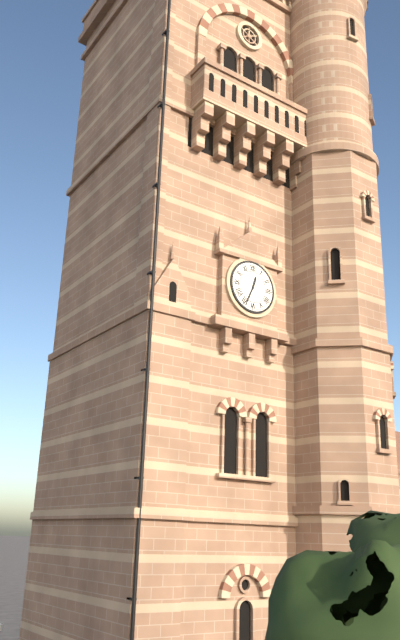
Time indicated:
**12:34**
